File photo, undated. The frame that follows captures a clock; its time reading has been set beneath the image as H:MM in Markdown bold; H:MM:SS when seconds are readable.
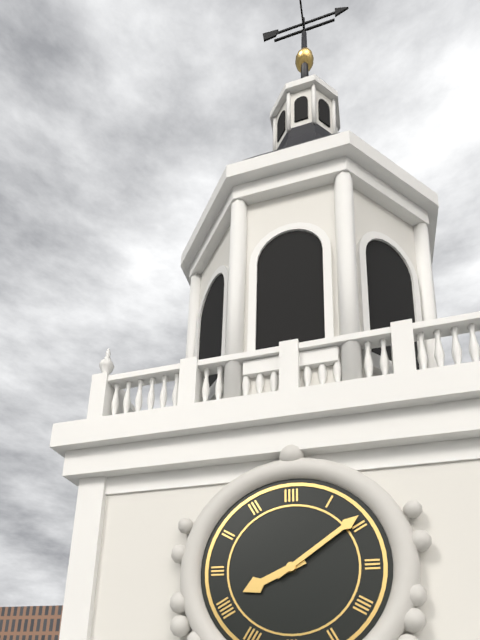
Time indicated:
**8:09**
